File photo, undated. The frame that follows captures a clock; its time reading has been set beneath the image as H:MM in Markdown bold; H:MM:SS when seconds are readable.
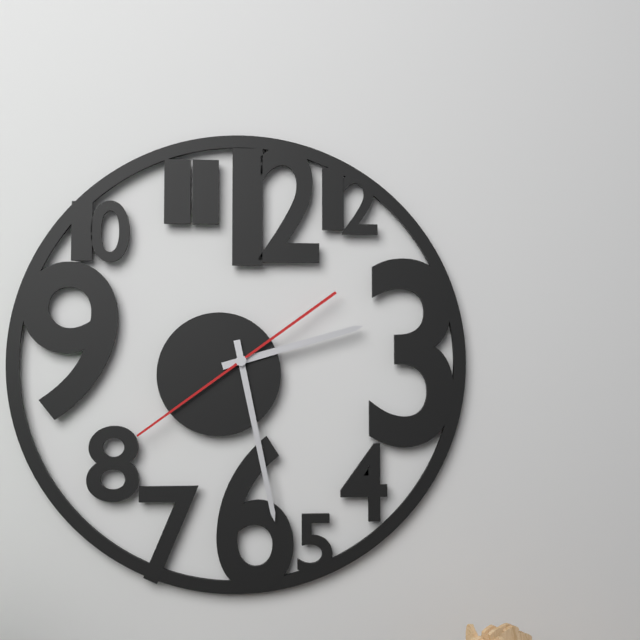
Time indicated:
**2:28:39**
